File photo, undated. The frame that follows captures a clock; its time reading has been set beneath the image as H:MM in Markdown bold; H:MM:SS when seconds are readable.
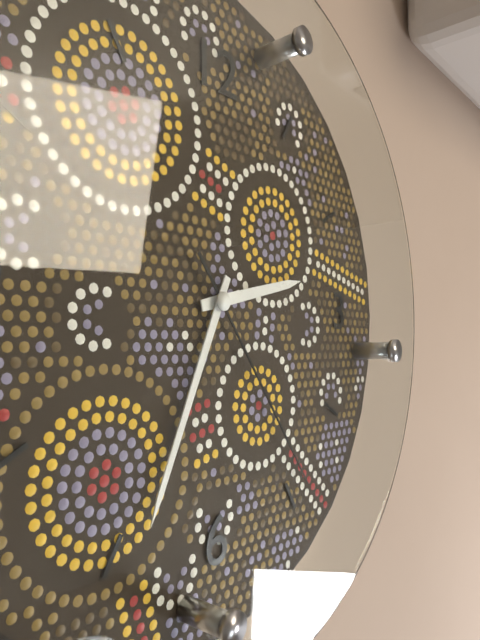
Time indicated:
**2:34:24**
